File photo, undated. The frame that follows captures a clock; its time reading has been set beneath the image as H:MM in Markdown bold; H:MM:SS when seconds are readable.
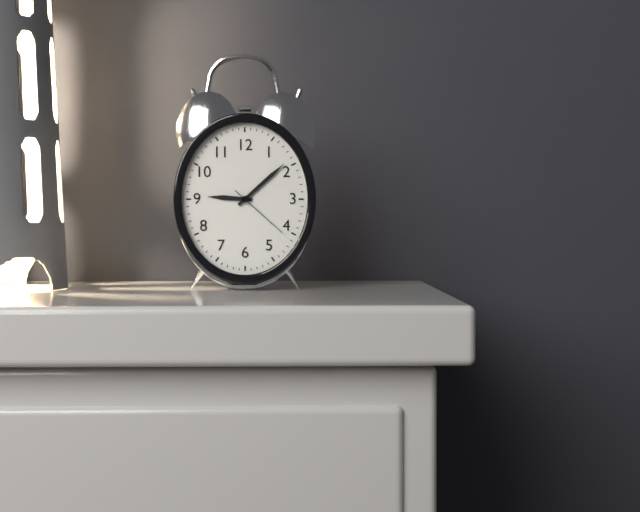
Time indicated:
**9:08:22**
